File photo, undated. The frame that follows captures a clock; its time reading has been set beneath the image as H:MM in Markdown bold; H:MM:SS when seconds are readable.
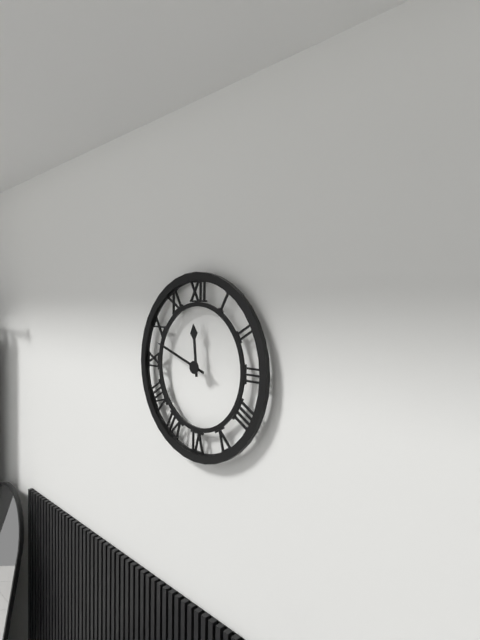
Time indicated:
**11:48**
